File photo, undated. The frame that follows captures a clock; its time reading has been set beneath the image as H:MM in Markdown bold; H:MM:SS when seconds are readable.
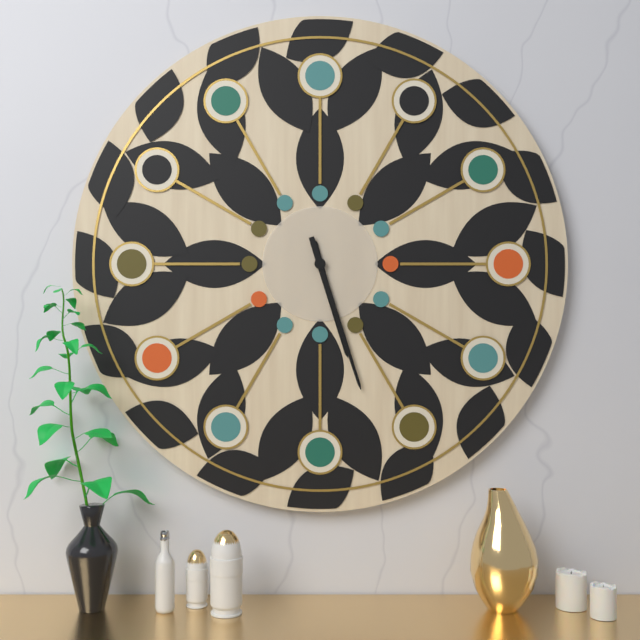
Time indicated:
**5:27**
